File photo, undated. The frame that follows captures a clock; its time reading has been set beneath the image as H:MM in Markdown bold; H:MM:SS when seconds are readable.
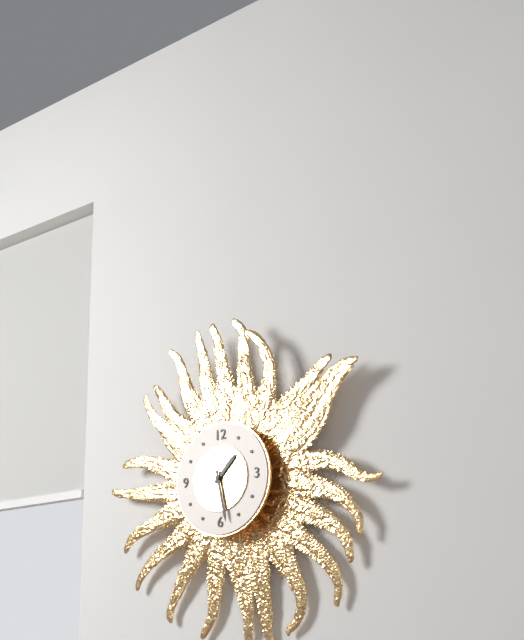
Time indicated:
**1:28**
